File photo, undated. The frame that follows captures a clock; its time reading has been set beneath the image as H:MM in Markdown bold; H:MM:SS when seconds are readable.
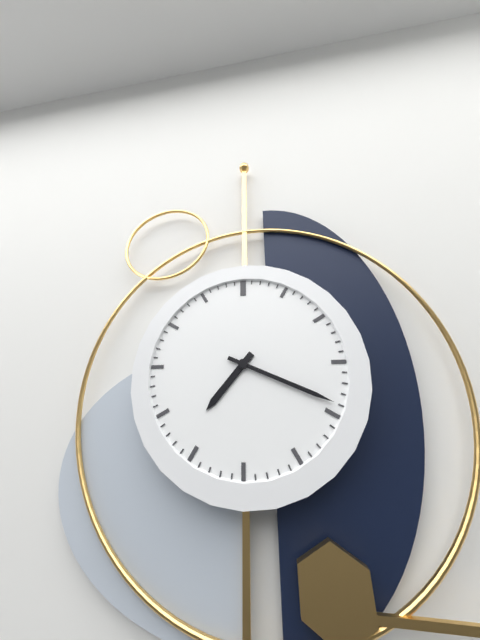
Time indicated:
**7:19**
